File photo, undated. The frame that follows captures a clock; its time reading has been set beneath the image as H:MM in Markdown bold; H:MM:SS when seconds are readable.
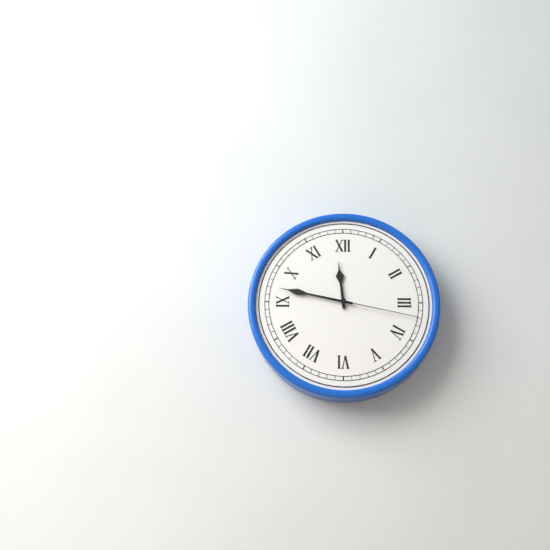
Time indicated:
**11:47:17**
